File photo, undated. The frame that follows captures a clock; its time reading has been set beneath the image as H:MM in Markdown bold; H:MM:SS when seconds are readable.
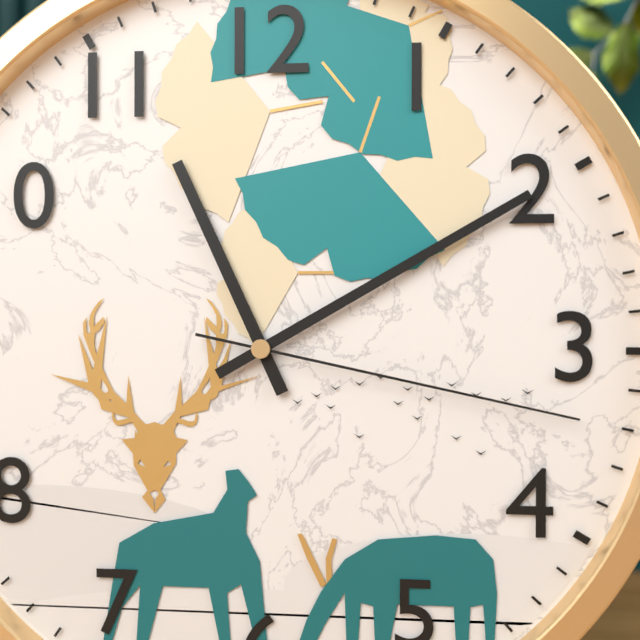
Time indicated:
**11:10:17**
